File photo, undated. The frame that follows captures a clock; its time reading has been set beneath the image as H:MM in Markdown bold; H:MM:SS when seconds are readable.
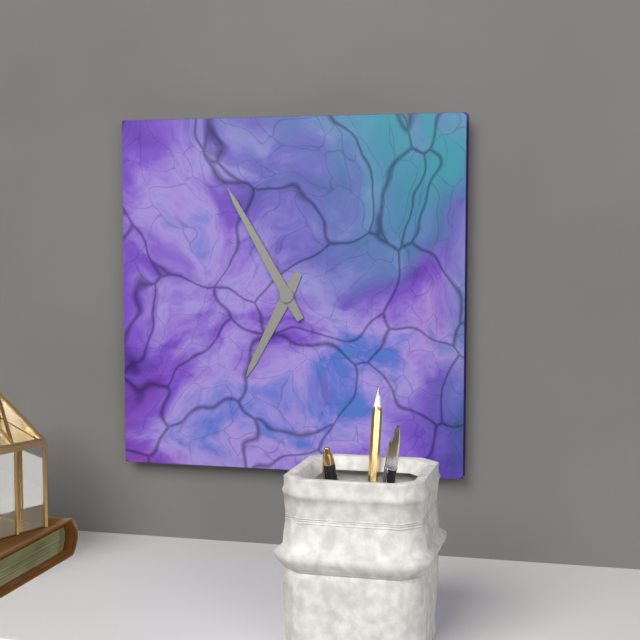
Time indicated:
**6:55**
